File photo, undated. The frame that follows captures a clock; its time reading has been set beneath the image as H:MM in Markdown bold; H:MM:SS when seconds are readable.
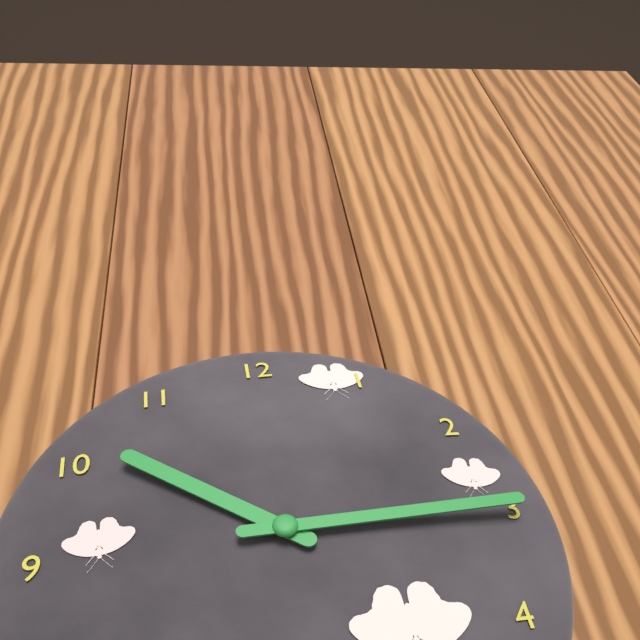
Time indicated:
**10:15**
